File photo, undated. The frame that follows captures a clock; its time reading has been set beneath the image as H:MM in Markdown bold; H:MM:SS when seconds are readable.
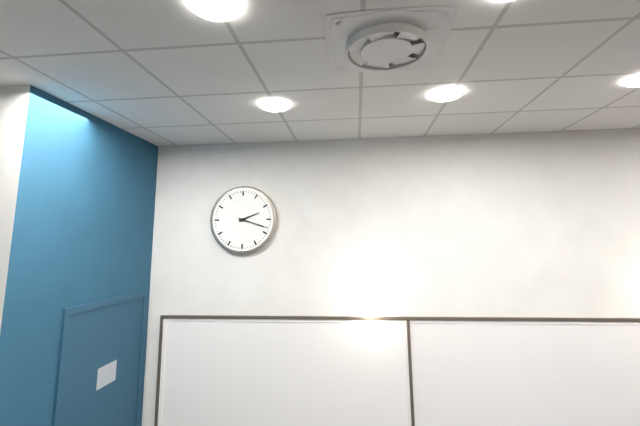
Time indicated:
**2:18**
